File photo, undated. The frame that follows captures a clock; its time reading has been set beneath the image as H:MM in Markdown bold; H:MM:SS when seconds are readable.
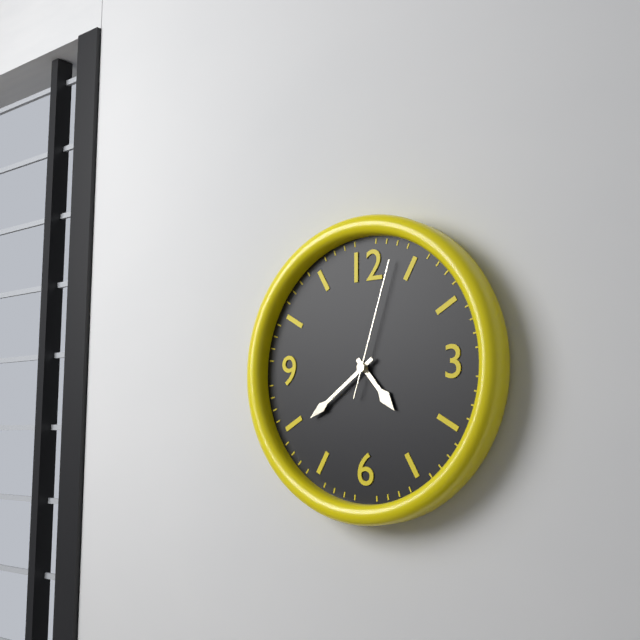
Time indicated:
**4:39:03**
